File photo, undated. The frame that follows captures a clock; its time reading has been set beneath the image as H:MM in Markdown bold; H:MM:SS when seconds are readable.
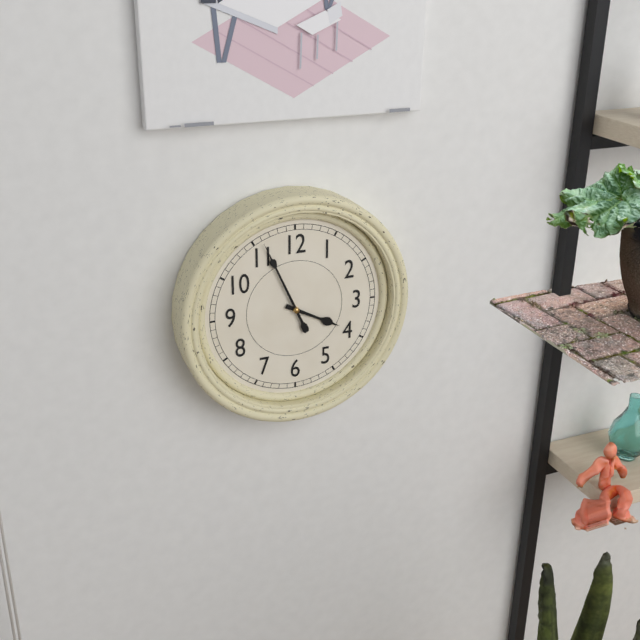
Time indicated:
**3:56**
